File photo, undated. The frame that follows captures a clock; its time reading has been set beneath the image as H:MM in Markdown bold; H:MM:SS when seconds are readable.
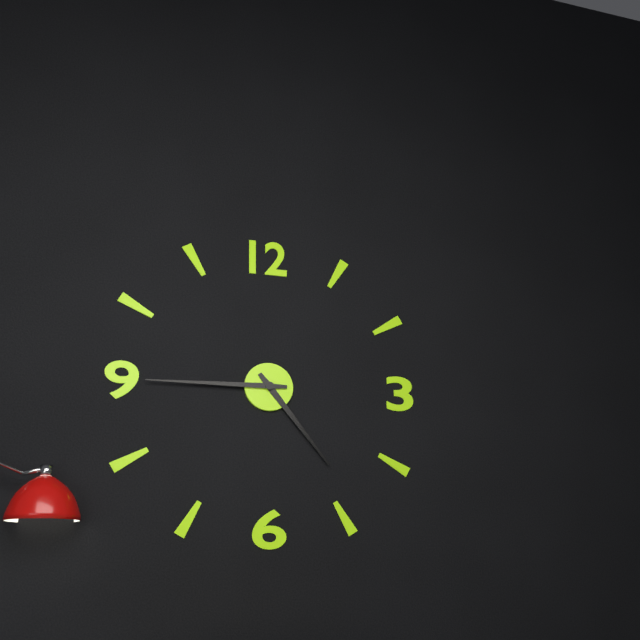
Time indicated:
**4:45**
